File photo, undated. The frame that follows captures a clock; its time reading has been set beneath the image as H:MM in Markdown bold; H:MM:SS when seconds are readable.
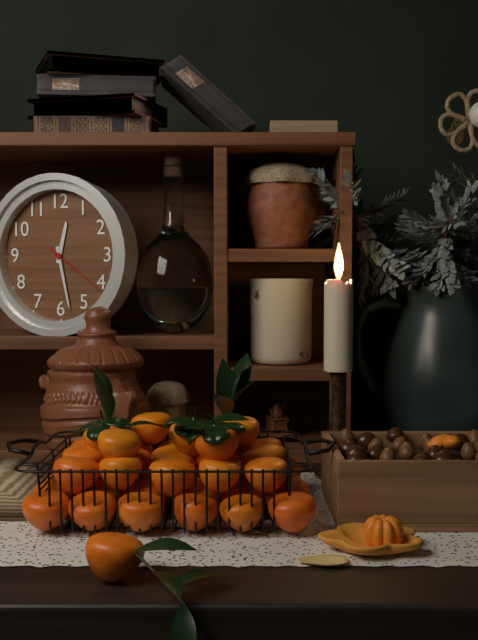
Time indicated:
**12:28:21**
